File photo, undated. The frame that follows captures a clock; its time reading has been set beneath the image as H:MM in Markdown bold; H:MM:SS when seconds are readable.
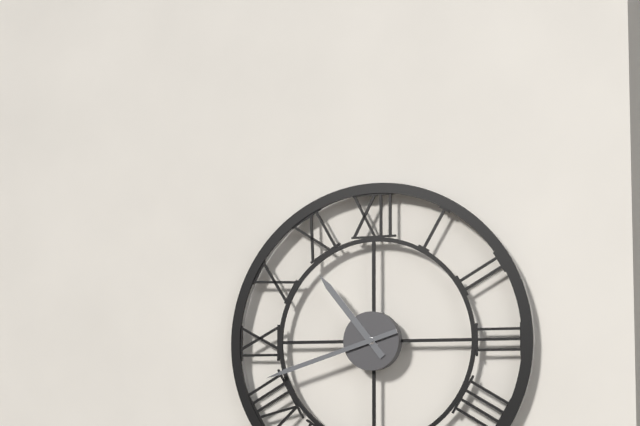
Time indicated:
**10:42**
